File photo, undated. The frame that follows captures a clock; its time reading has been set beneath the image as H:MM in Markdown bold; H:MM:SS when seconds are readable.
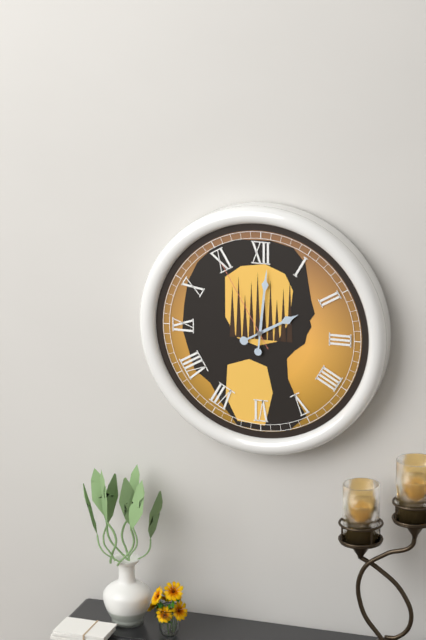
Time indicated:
**2:01:55**
